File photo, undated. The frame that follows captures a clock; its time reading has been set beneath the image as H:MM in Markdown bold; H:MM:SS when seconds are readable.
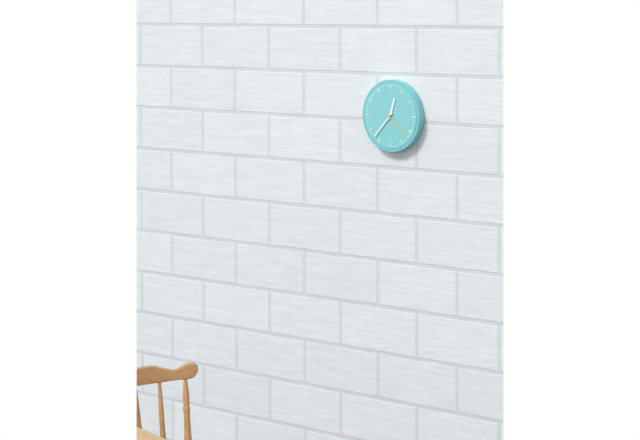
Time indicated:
**12:37**
